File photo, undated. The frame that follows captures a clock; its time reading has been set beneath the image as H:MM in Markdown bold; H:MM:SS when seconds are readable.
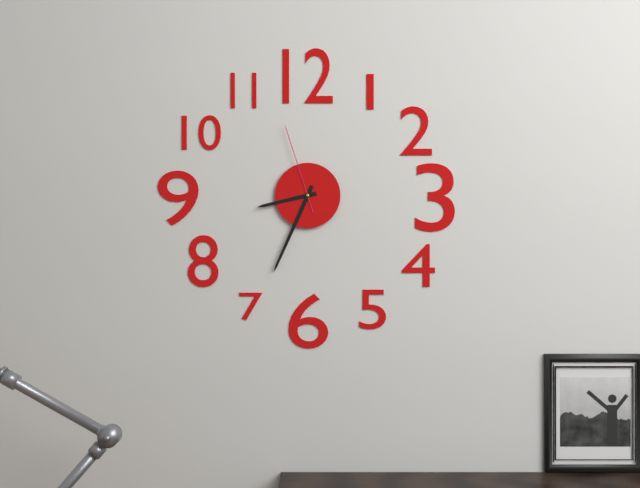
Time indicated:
**8:34:57**
